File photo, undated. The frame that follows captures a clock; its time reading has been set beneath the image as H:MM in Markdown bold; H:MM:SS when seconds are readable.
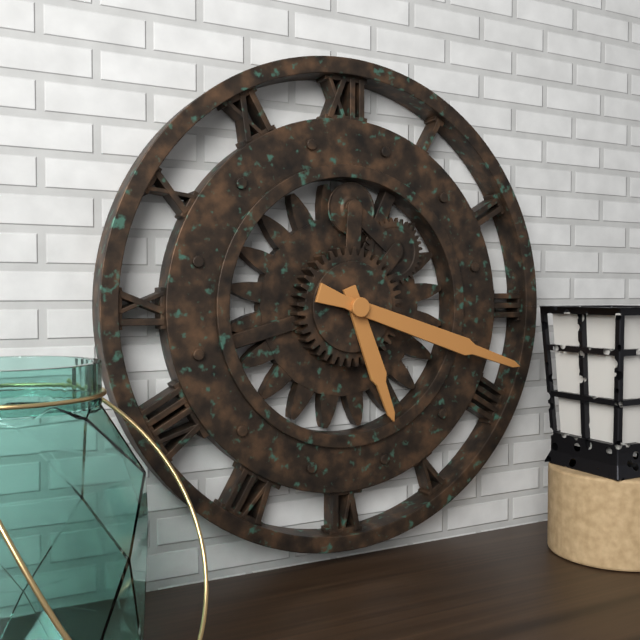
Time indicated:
**5:18**
